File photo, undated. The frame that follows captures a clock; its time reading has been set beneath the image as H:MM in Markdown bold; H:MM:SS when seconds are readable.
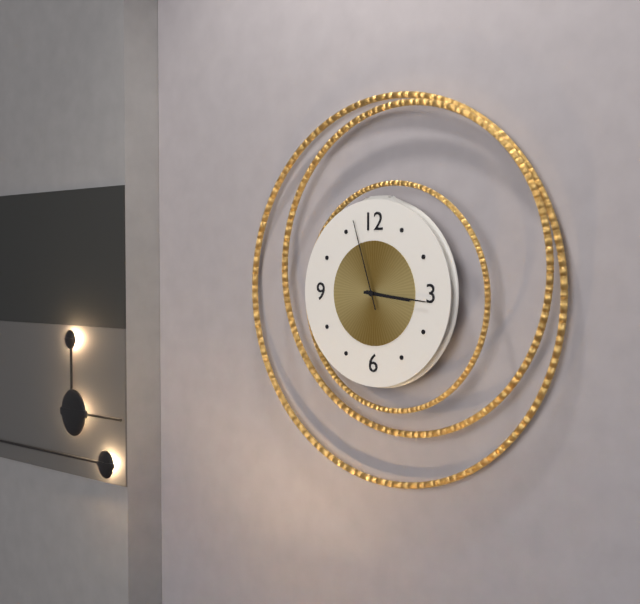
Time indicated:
**3:16:57**
